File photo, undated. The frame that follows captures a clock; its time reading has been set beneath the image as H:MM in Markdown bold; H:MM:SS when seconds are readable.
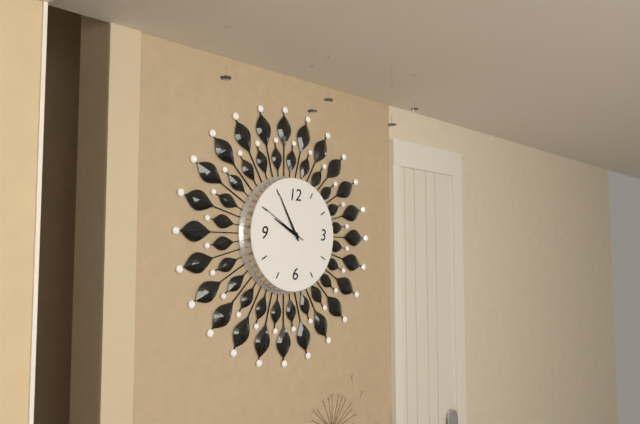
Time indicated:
**9:55**
